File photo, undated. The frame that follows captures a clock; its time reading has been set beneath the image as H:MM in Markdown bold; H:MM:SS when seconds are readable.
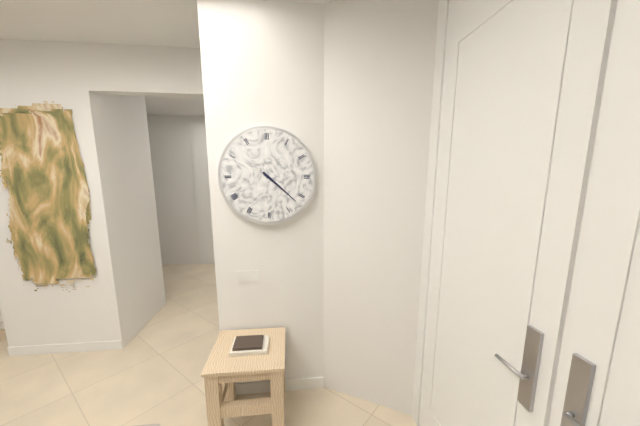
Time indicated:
**4:22**
